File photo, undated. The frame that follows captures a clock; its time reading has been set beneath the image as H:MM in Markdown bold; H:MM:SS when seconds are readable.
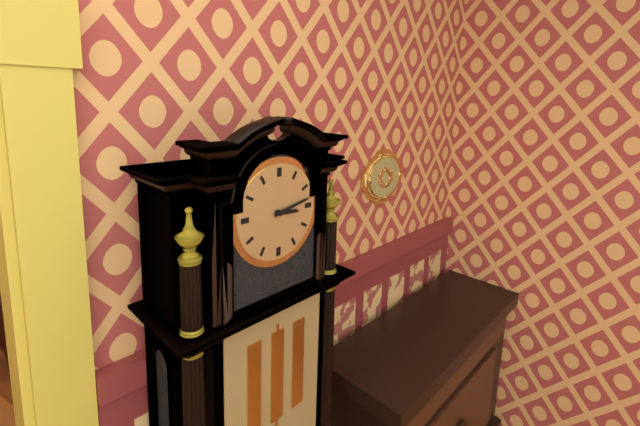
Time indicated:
**3:13**
